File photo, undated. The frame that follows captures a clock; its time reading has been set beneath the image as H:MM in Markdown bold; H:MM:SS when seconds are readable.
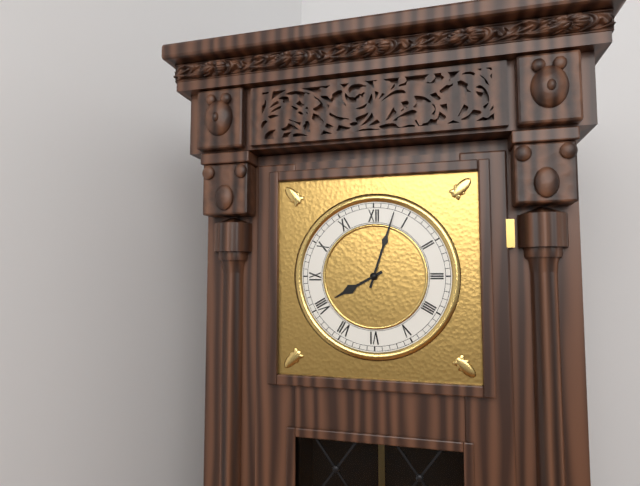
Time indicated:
**8:03**
